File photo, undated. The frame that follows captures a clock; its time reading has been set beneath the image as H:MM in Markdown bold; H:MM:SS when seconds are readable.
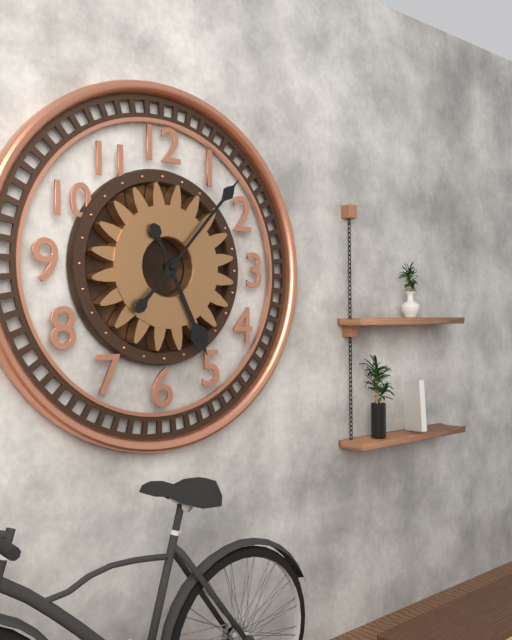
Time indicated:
**5:07**
